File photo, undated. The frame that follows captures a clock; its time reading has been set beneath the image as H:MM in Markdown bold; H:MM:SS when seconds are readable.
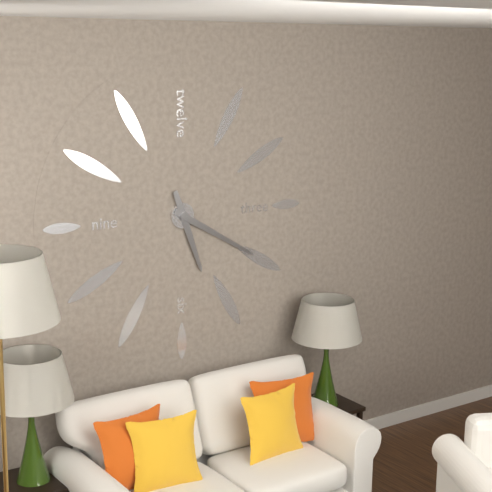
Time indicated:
**5:20**
